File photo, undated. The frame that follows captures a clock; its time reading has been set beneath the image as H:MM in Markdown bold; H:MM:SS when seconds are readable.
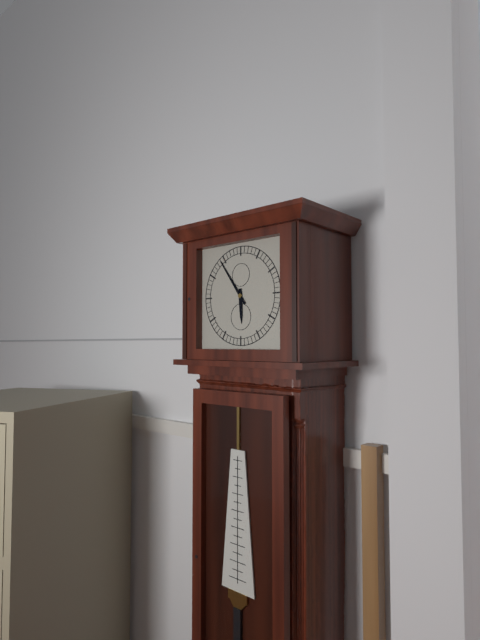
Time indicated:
**5:54**
